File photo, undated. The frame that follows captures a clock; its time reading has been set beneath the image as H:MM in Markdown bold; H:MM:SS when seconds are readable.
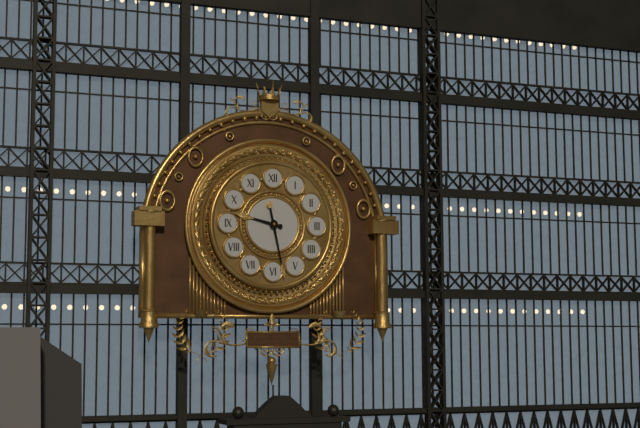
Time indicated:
**9:28**
